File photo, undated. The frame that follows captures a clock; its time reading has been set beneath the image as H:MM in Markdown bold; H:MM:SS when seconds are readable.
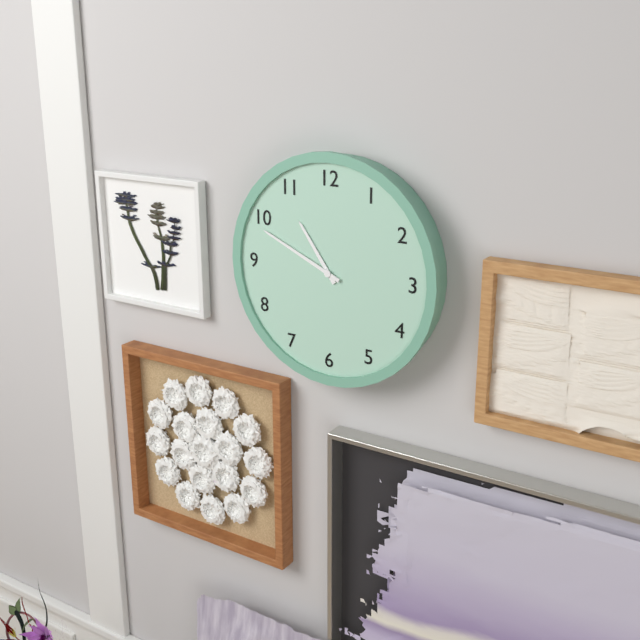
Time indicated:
**10:49**
